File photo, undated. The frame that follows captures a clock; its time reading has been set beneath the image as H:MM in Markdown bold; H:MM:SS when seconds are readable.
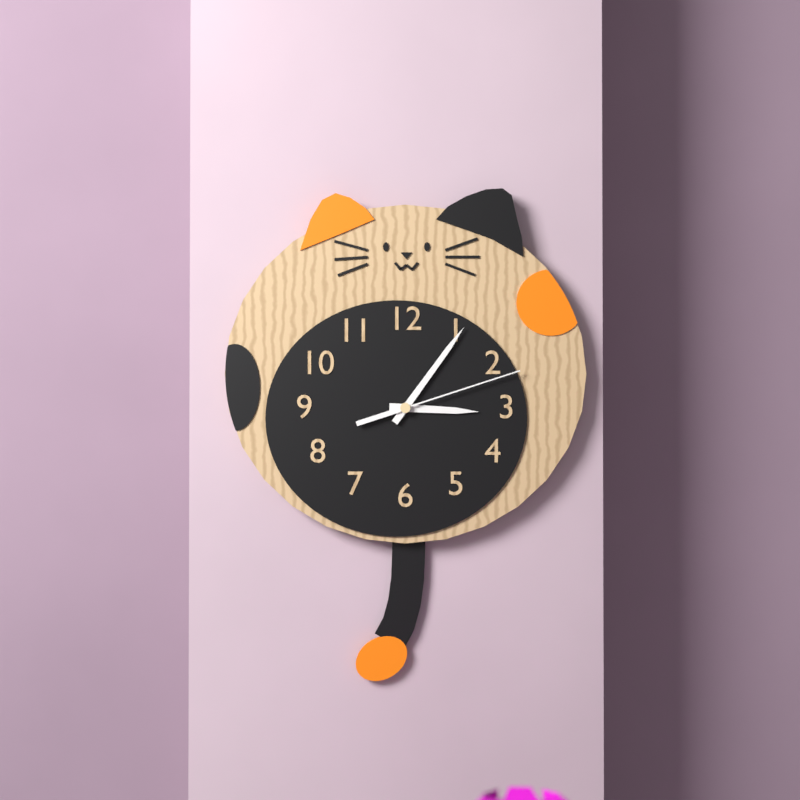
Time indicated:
**3:06:12**
